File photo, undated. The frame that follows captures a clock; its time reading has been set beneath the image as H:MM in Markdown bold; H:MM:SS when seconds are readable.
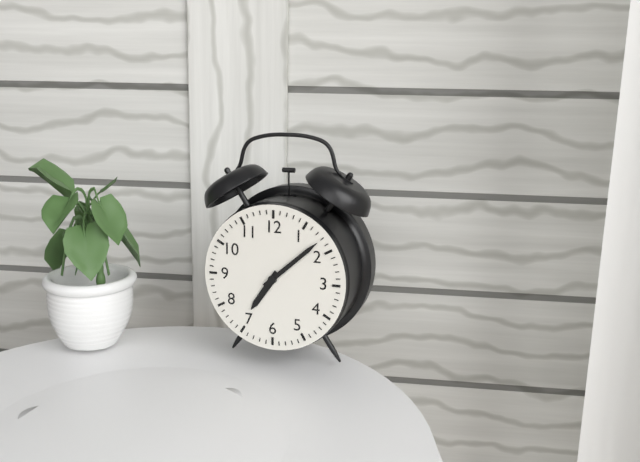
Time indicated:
**7:08**
